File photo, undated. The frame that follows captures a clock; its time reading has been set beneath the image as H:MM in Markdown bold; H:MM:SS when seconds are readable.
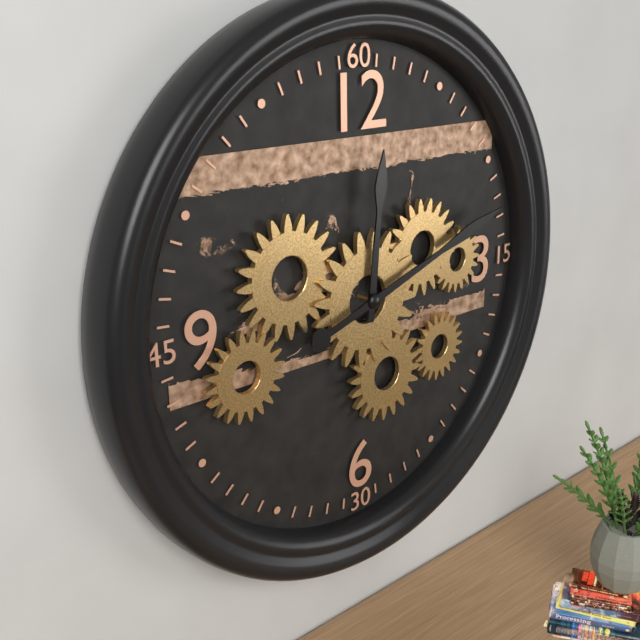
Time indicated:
**12:12**
